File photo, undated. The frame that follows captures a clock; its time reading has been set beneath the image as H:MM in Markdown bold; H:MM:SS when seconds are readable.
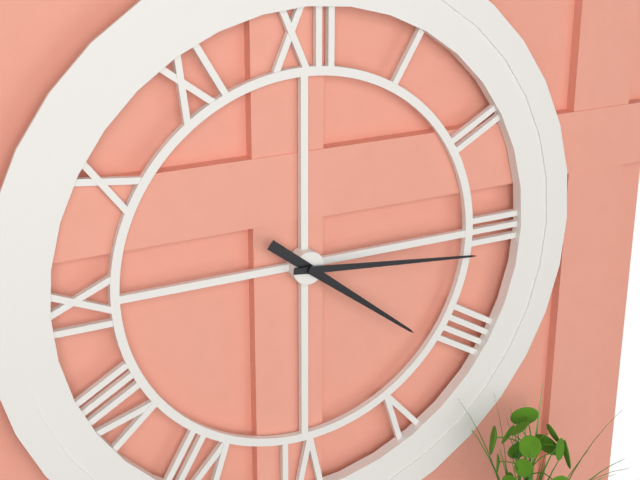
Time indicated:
**4:16**
